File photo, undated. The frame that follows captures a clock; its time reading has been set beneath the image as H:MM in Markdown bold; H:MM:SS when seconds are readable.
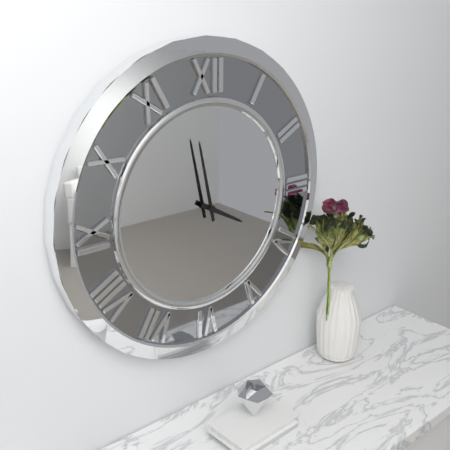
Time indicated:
**3:58**
